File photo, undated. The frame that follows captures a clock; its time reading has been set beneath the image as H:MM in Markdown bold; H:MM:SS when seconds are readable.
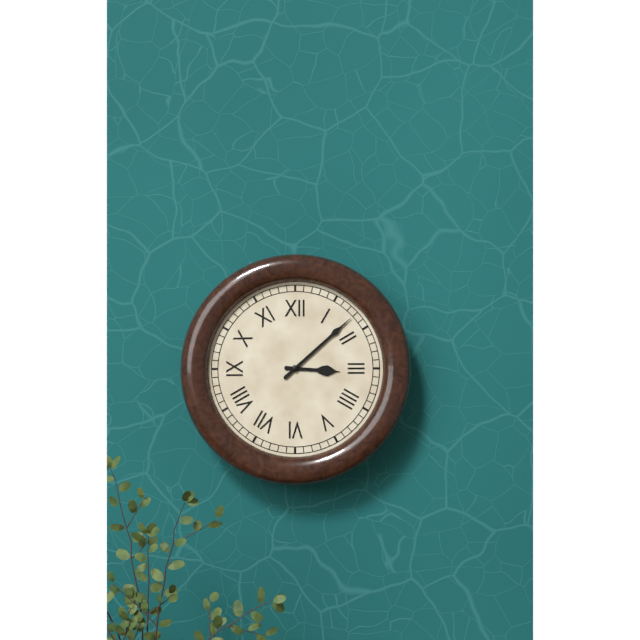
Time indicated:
**3:08**
